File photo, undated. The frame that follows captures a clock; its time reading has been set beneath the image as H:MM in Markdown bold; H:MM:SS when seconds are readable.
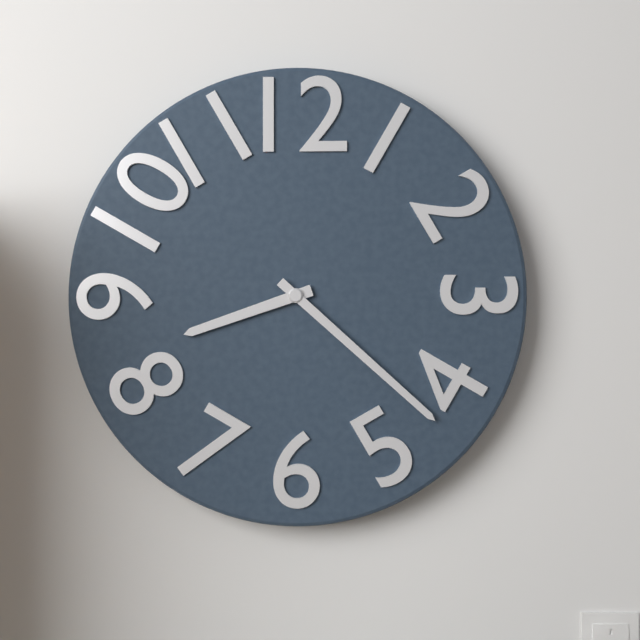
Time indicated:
**8:22**
